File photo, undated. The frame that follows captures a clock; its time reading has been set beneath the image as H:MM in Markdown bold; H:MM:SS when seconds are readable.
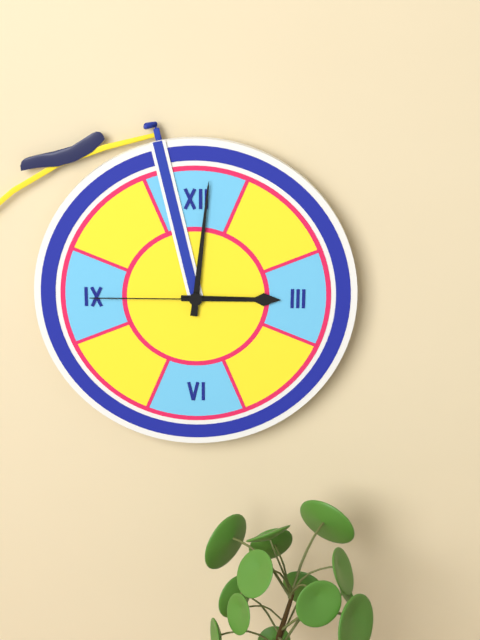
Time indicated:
**3:01:45**
